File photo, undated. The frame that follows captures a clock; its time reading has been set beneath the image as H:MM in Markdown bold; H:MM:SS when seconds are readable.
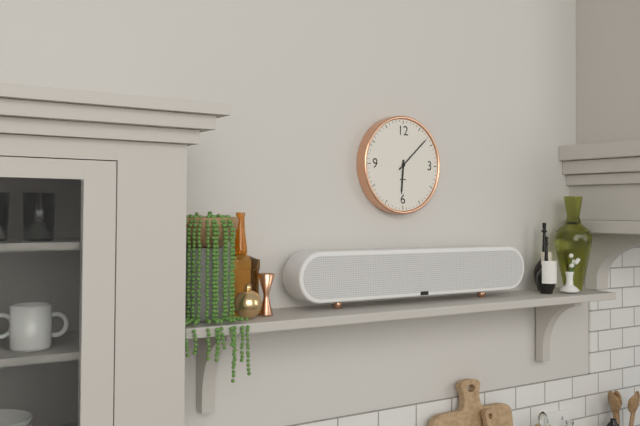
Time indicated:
**6:08**
